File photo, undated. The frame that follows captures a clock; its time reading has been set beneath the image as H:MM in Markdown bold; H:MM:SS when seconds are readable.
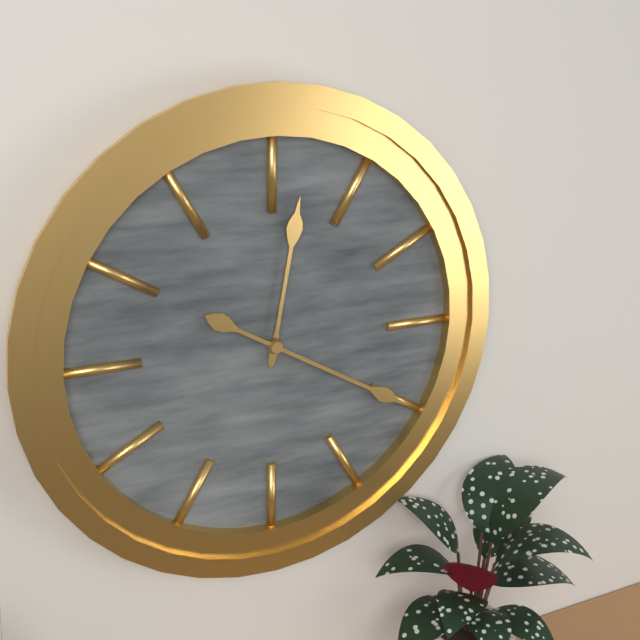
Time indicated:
**12:20**
